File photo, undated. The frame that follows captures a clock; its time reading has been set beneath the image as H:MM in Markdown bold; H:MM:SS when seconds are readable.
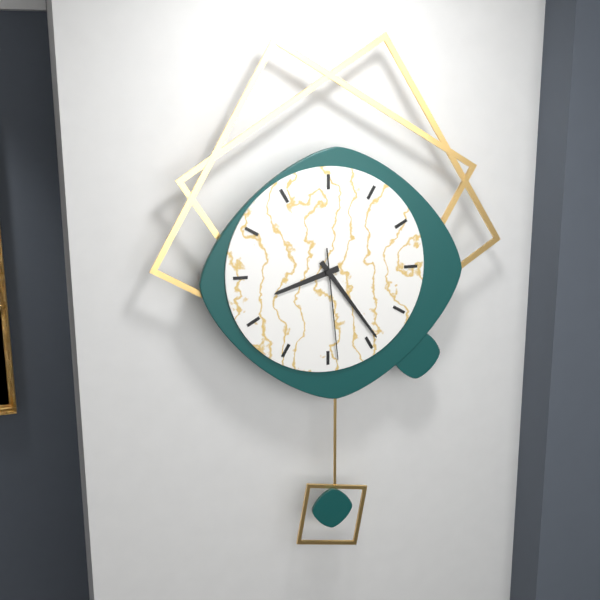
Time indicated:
**8:24:29**
